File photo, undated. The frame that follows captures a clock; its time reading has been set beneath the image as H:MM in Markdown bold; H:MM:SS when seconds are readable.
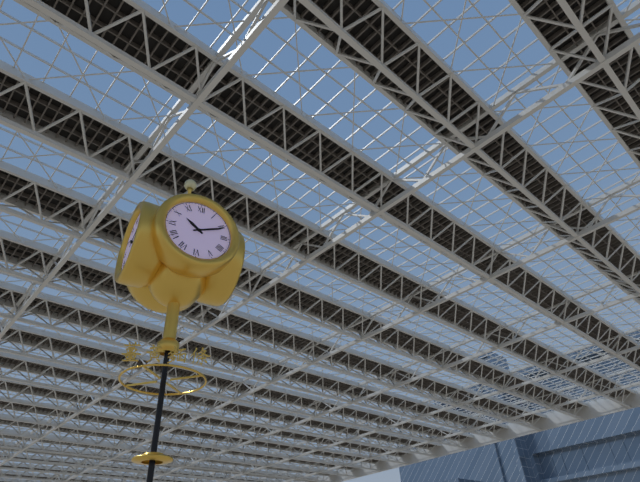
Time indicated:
**10:11**
